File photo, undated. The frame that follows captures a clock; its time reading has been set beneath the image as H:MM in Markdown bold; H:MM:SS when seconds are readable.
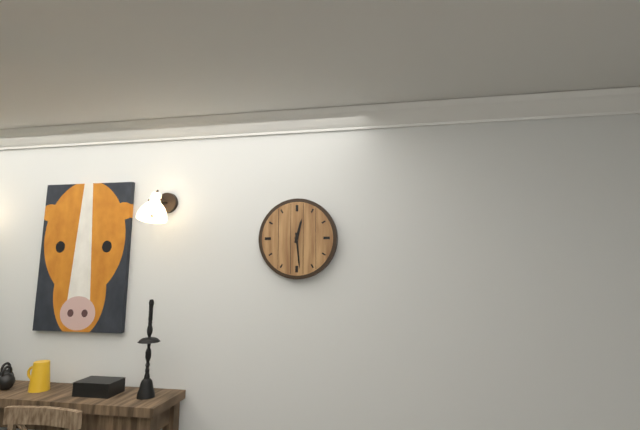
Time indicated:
**12:29**
